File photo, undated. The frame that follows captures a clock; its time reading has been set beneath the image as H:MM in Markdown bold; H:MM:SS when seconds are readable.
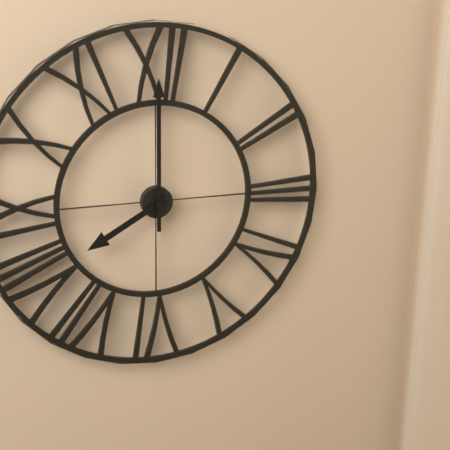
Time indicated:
**8:00**
